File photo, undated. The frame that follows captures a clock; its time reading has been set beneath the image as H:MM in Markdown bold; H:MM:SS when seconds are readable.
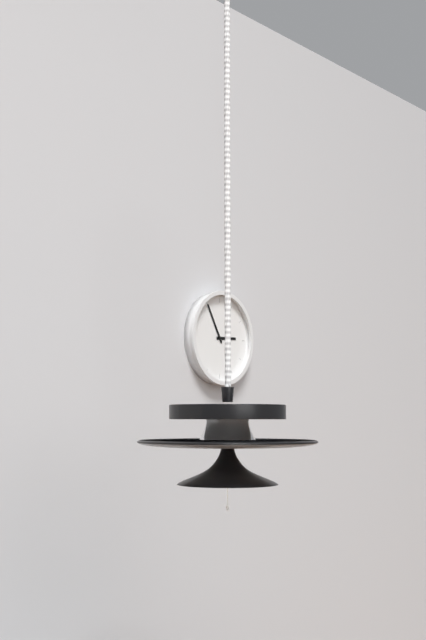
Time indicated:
**2:55**
